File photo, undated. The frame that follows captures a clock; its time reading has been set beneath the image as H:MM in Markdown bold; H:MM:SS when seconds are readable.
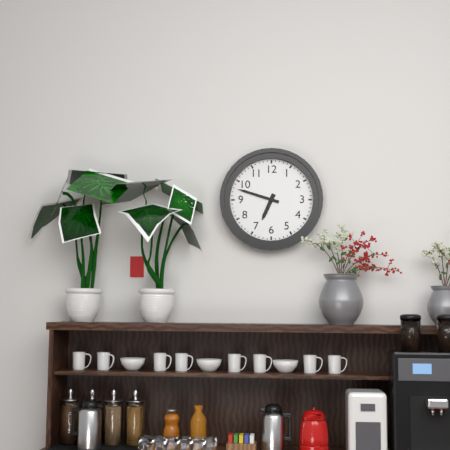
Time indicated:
**6:48**
